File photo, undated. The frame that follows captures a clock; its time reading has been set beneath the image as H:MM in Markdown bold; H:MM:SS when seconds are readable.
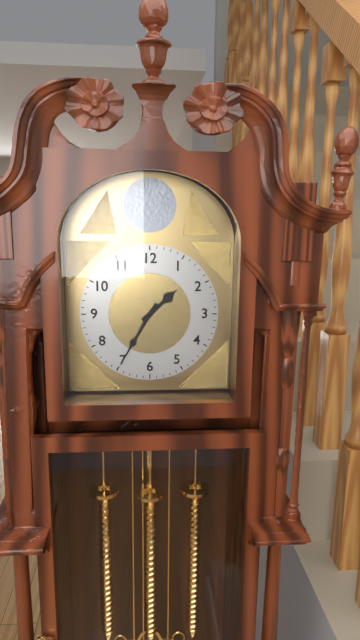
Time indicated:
**1:35**
